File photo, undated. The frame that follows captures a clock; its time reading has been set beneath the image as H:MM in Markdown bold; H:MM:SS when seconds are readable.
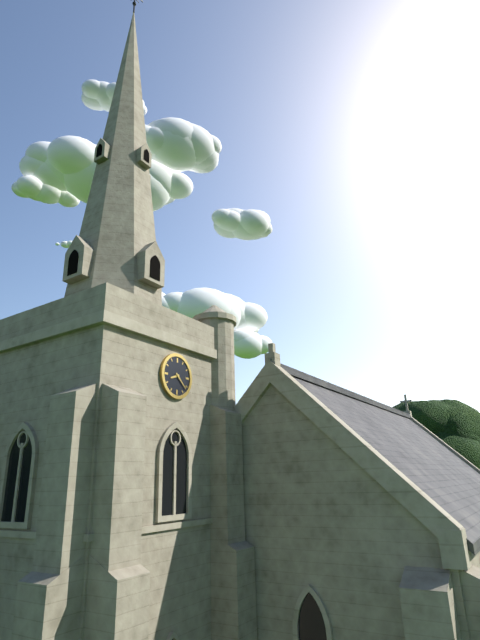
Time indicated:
**8:22**
